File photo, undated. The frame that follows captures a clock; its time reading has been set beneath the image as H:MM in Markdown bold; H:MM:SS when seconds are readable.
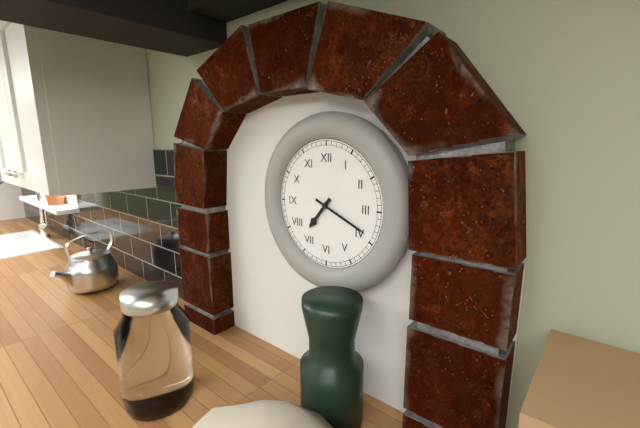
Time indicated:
**7:19**
